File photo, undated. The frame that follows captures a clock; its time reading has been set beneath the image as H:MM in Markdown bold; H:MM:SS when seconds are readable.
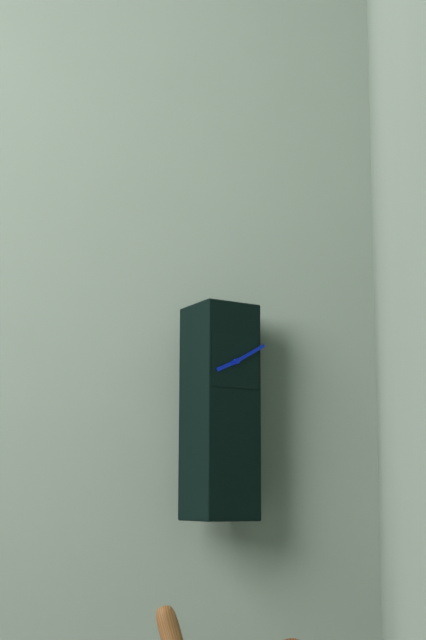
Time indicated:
**8:10**
